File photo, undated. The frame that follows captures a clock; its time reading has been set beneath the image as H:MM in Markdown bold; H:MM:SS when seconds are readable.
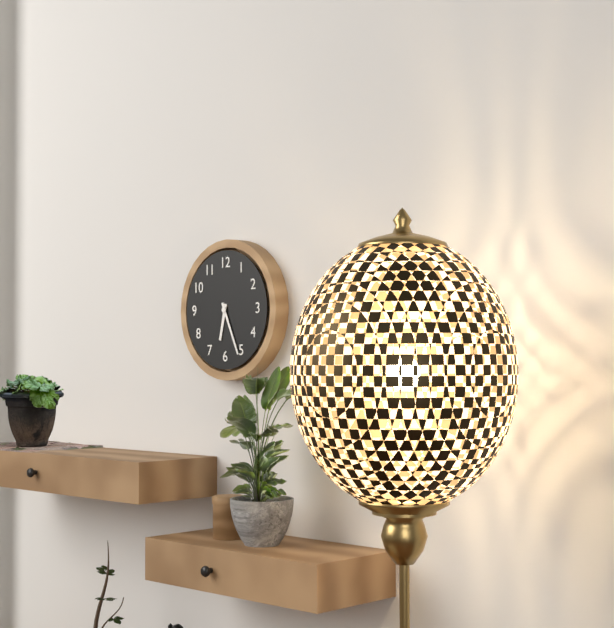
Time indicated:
**6:26**
